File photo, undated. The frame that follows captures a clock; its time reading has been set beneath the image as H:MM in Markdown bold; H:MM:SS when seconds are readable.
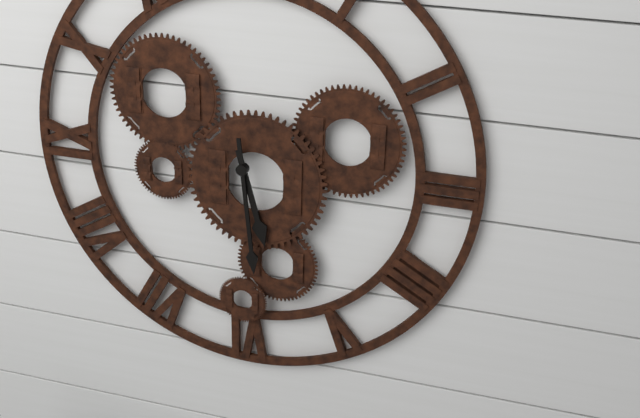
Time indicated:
**5:29**
